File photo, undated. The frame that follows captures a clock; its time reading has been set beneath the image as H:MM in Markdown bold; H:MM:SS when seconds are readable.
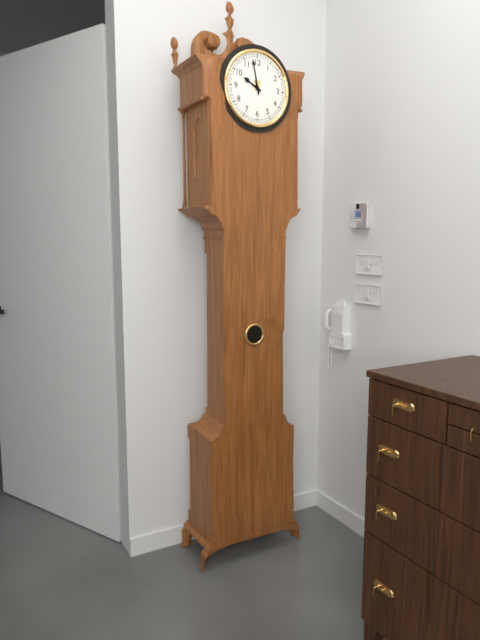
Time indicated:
**9:58**
